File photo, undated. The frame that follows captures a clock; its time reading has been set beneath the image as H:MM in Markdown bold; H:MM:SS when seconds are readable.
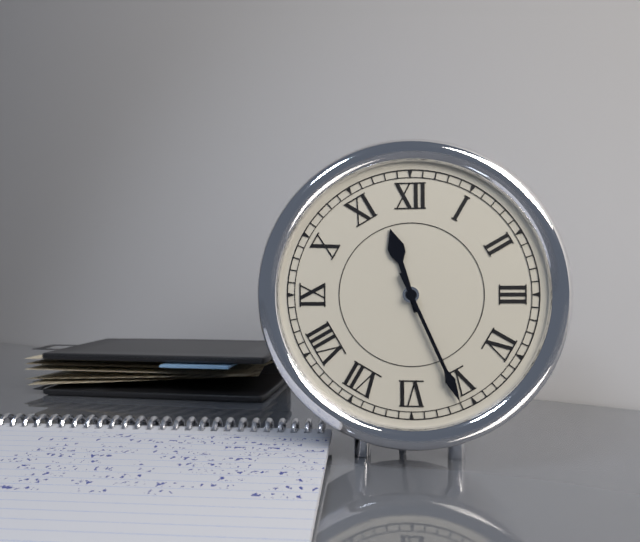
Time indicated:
**11:26**
